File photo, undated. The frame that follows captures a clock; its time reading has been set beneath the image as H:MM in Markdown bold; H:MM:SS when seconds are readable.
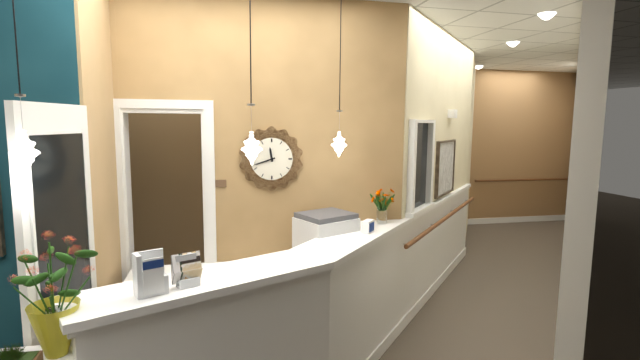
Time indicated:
**11:42**
